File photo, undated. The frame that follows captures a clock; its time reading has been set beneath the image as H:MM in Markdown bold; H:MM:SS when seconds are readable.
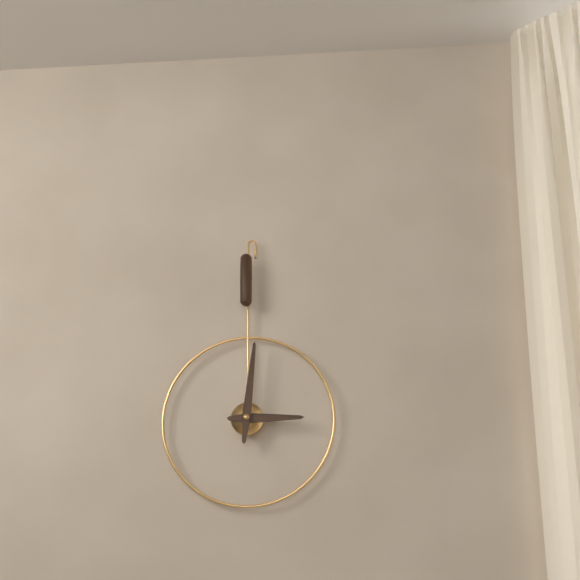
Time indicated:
**3:01**
